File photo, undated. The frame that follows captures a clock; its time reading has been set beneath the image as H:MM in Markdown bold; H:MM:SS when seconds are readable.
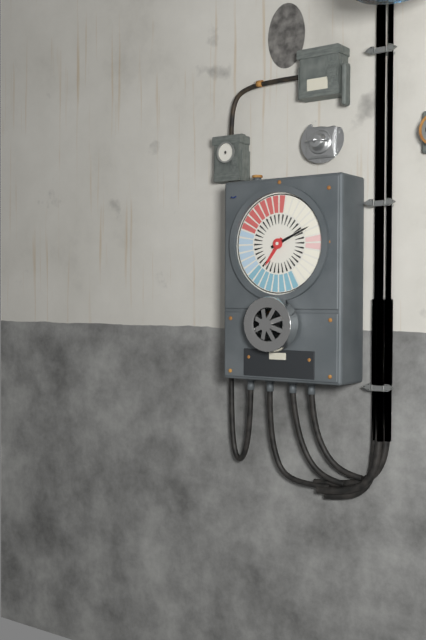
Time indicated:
**7:11**
